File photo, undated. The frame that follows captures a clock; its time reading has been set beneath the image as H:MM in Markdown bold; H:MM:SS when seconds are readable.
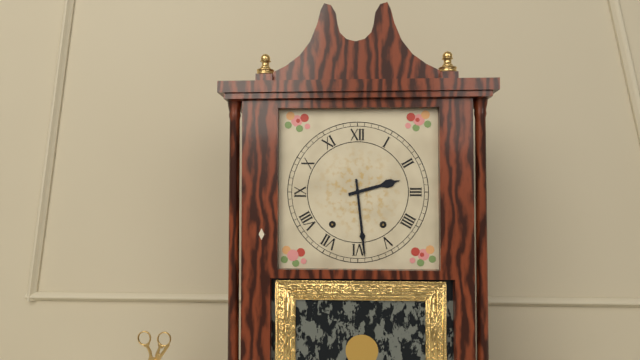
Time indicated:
**2:29**
